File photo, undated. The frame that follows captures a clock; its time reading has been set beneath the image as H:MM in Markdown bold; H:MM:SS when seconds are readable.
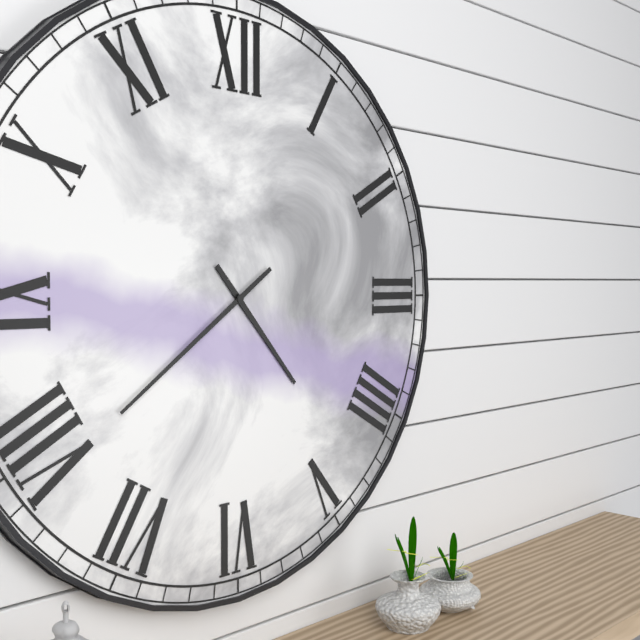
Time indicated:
**4:39**
